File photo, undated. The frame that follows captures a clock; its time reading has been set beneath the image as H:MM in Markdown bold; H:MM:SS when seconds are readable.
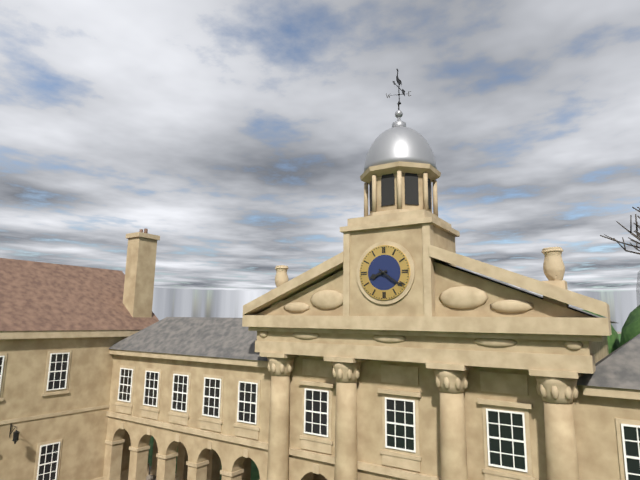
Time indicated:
**8:21**
